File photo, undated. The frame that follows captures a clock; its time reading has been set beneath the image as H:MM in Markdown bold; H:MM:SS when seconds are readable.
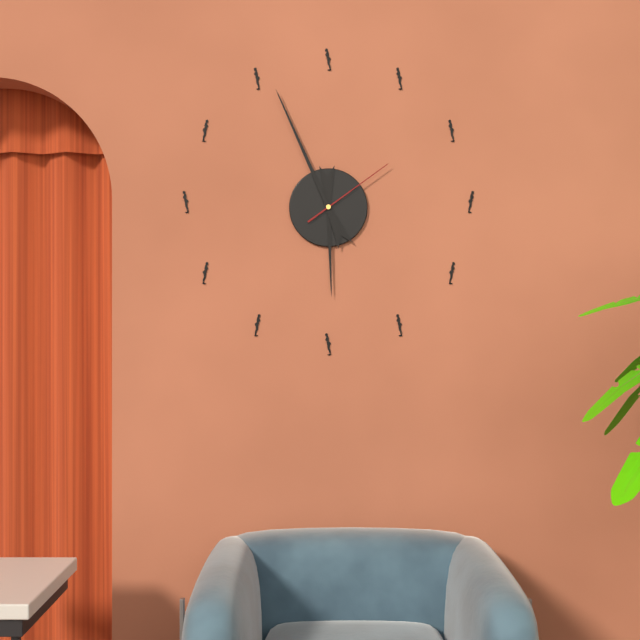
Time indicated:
**5:56:09**
